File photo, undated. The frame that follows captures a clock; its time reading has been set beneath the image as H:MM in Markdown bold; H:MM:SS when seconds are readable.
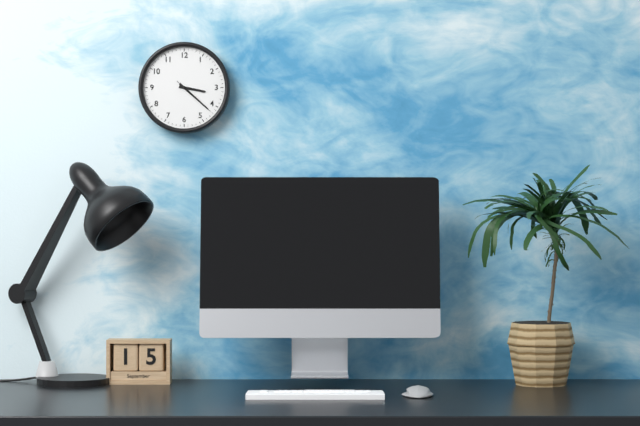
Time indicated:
**3:22**
